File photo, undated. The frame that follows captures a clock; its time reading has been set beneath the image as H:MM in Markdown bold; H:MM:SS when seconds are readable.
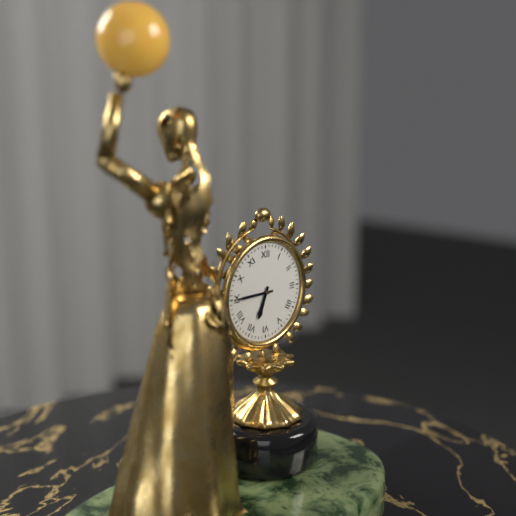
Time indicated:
**6:45**
